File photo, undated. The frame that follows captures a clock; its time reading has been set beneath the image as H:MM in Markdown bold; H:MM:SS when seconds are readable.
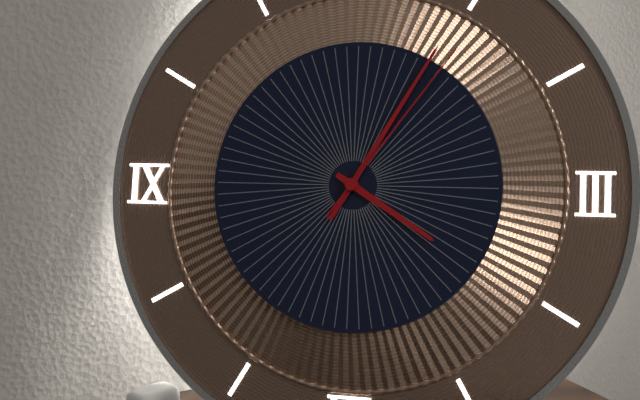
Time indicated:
**4:05:06**
